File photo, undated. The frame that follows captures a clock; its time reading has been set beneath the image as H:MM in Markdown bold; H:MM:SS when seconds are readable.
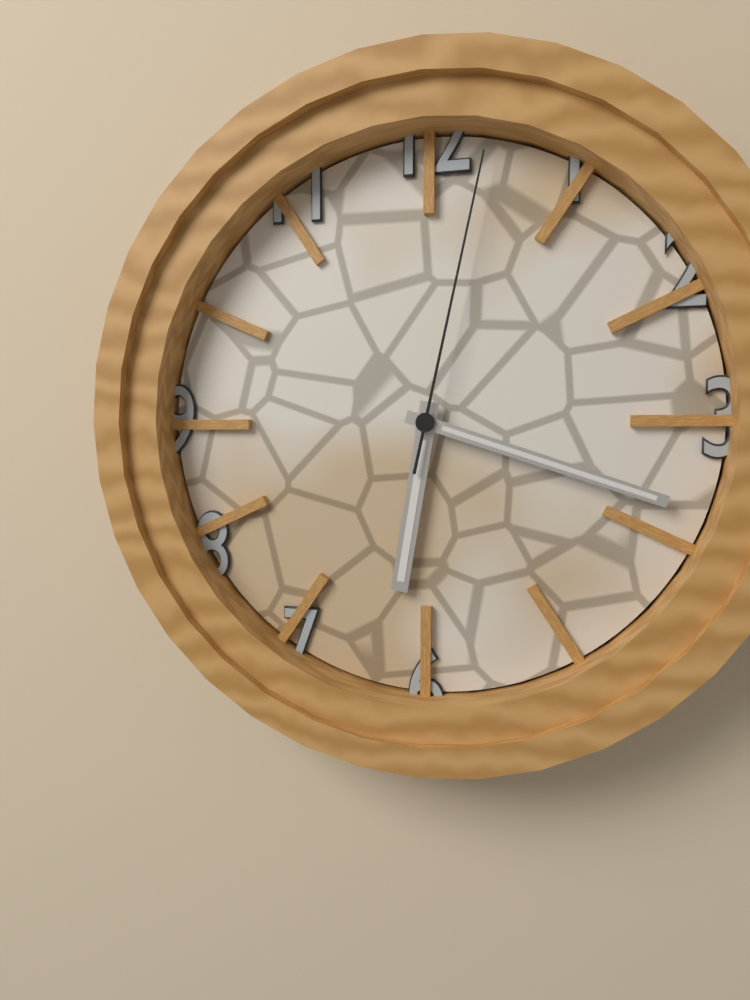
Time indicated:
**6:18:02**
